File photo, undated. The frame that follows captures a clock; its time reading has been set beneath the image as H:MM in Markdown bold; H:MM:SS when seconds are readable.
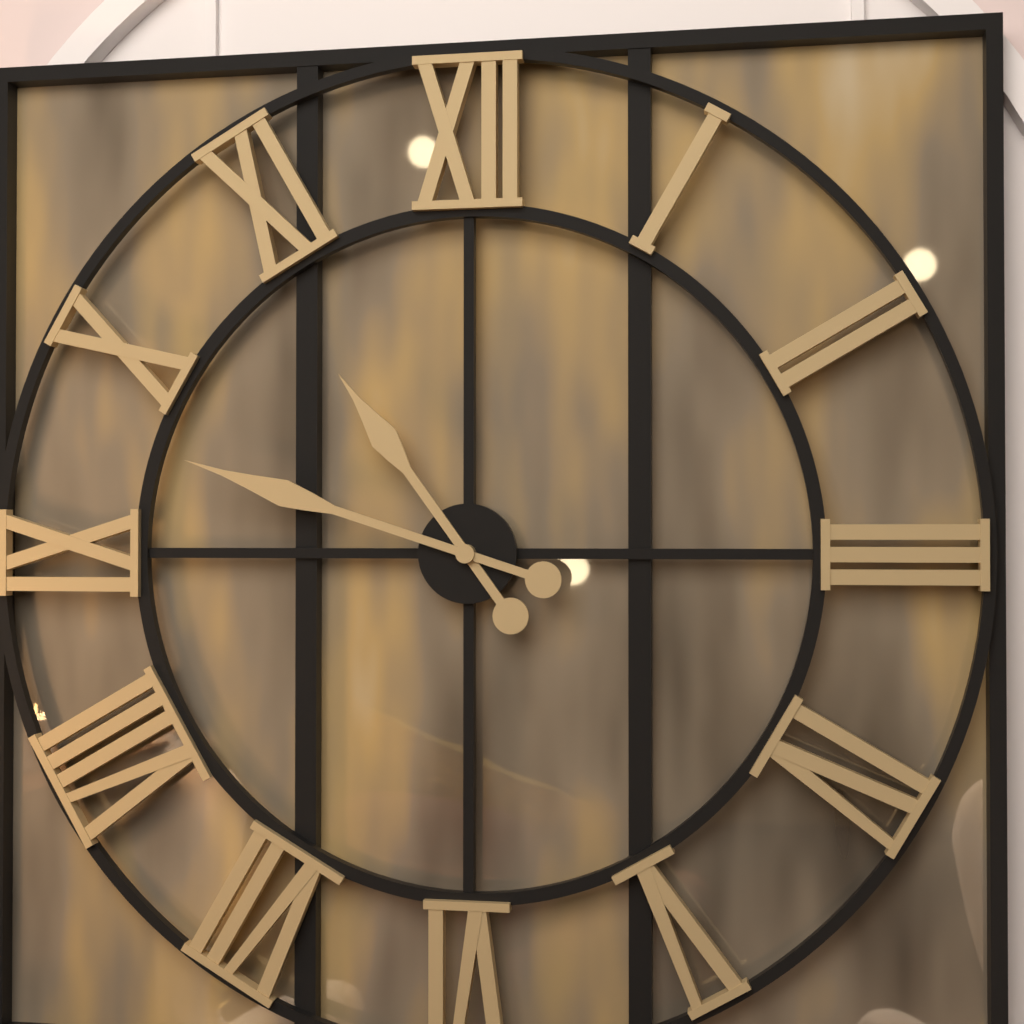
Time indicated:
**10:48**
